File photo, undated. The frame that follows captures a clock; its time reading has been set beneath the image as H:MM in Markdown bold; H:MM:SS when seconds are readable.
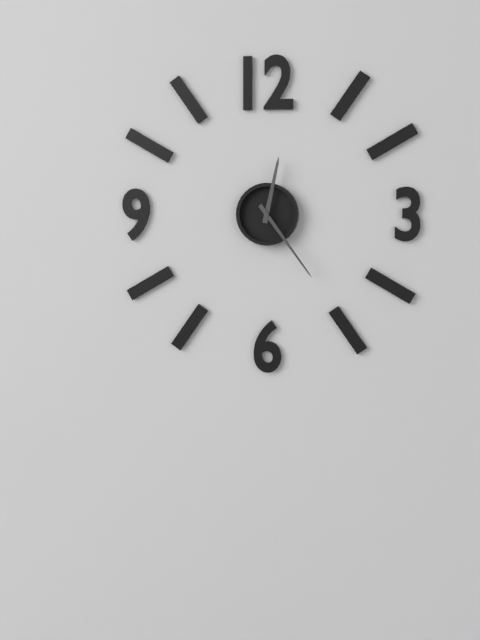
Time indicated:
**12:24**
